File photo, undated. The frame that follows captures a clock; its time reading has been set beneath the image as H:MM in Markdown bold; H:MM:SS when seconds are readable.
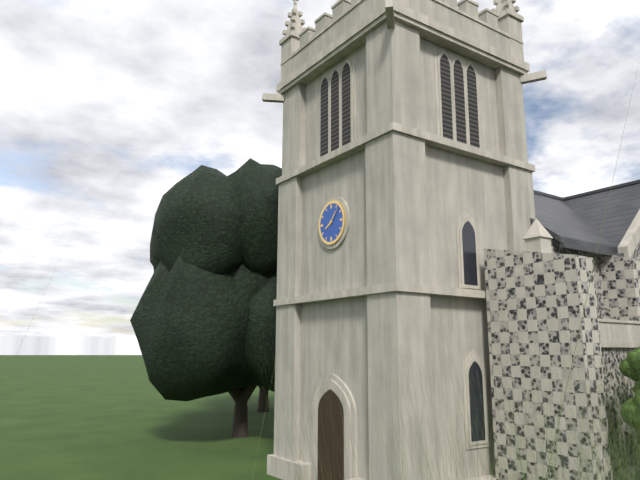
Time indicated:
**8:07**
